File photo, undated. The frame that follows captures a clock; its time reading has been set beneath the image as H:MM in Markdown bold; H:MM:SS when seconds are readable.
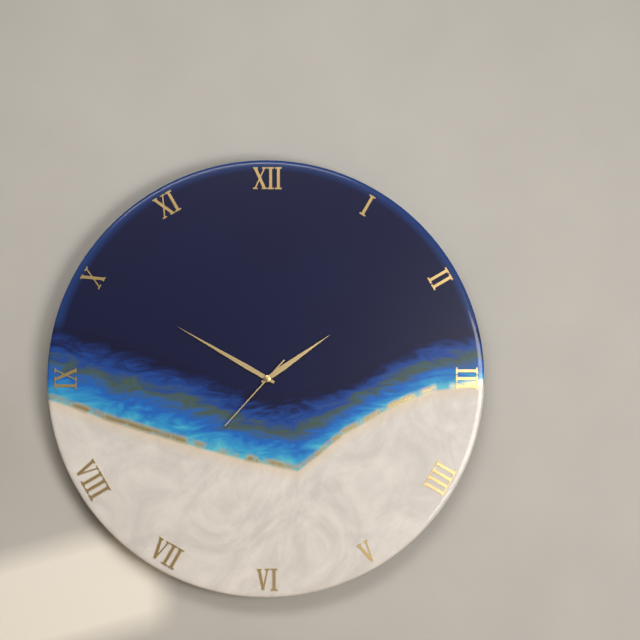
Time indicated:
**1:50:37**
